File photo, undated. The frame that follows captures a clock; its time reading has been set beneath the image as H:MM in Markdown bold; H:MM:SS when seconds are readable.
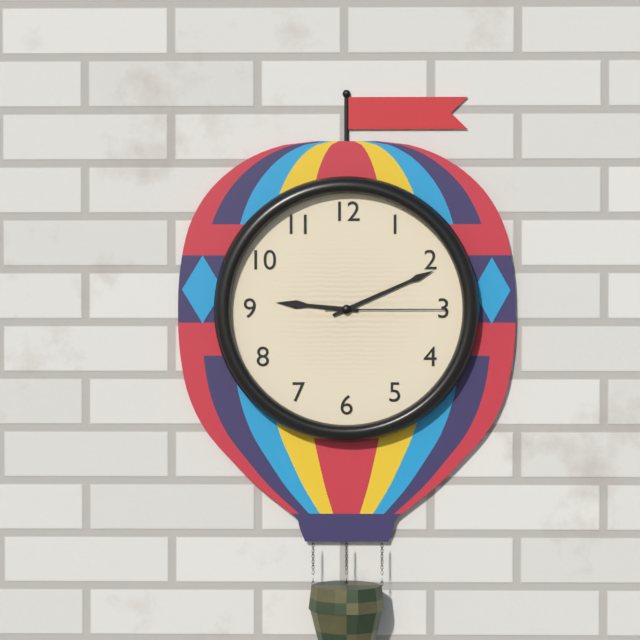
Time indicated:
**9:11:15**
